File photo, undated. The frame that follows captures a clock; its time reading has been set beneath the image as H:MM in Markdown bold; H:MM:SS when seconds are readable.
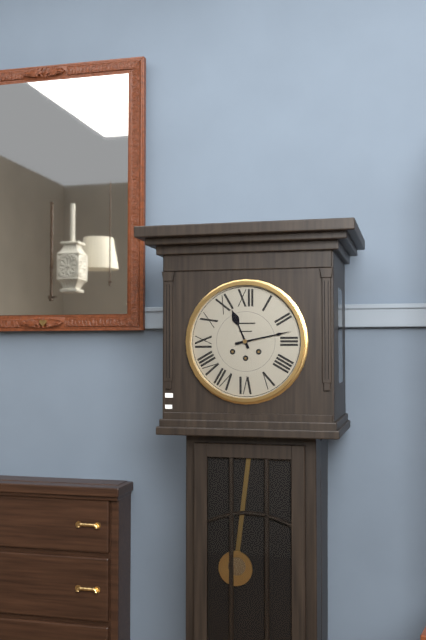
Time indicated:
**11:13**
